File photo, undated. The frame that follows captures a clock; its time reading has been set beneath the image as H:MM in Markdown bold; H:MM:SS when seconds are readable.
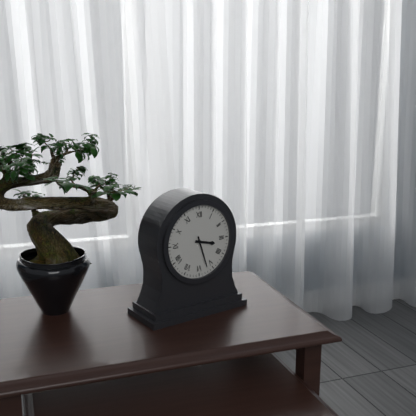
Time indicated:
**3:27**
